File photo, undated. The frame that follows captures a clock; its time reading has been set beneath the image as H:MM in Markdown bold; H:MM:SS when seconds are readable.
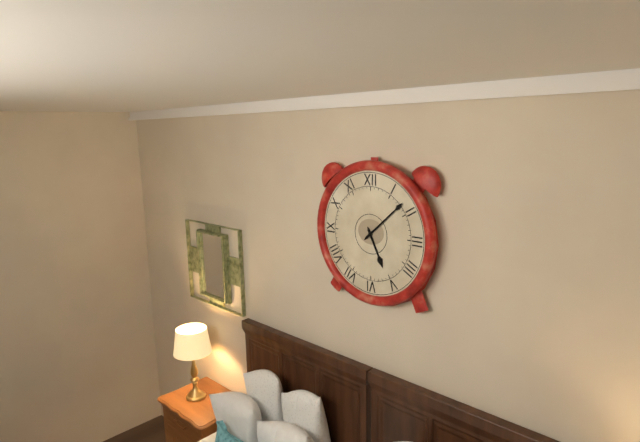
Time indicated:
**5:08**
